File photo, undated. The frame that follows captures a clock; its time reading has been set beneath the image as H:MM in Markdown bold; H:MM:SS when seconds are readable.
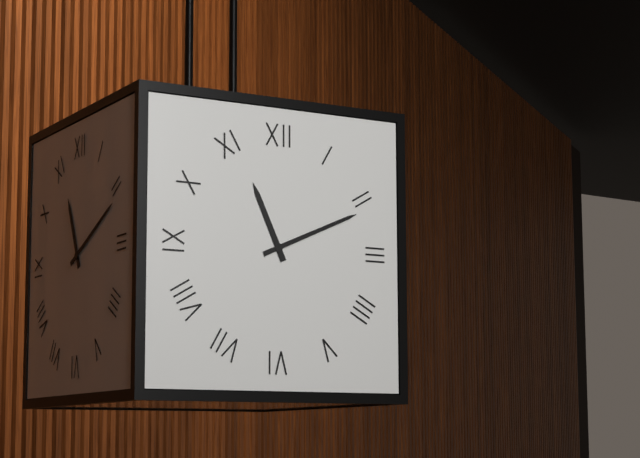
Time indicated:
**11:11**
